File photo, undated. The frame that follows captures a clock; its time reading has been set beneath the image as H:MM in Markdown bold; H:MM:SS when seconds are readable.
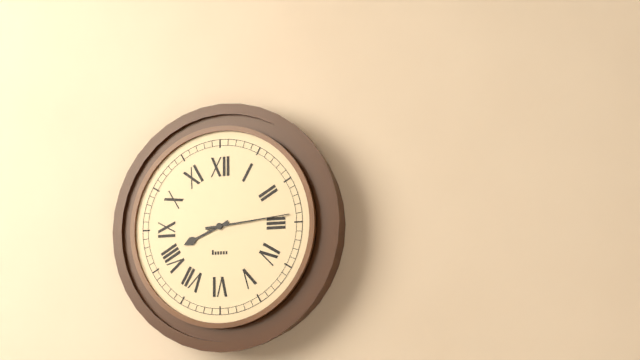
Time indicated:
**8:14**
